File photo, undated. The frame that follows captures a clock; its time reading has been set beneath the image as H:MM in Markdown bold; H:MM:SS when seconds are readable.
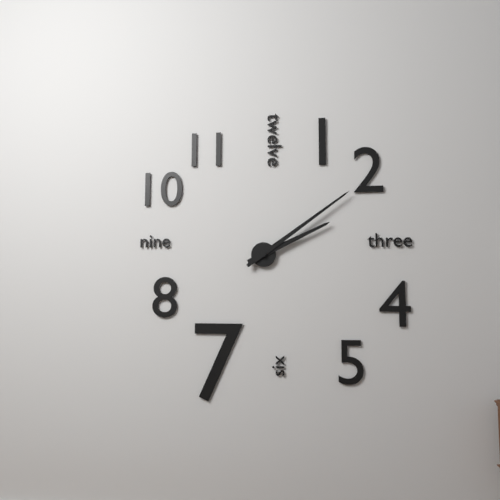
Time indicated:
**2:09**
